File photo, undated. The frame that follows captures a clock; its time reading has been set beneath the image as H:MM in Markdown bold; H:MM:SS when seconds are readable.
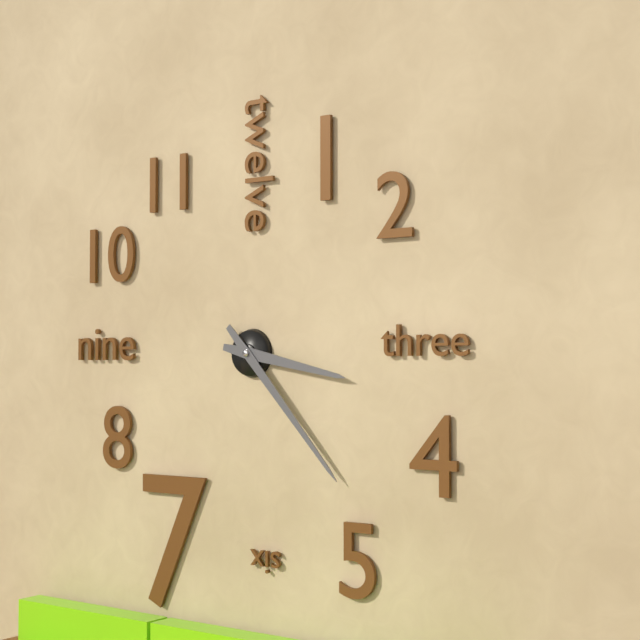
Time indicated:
**3:23**
